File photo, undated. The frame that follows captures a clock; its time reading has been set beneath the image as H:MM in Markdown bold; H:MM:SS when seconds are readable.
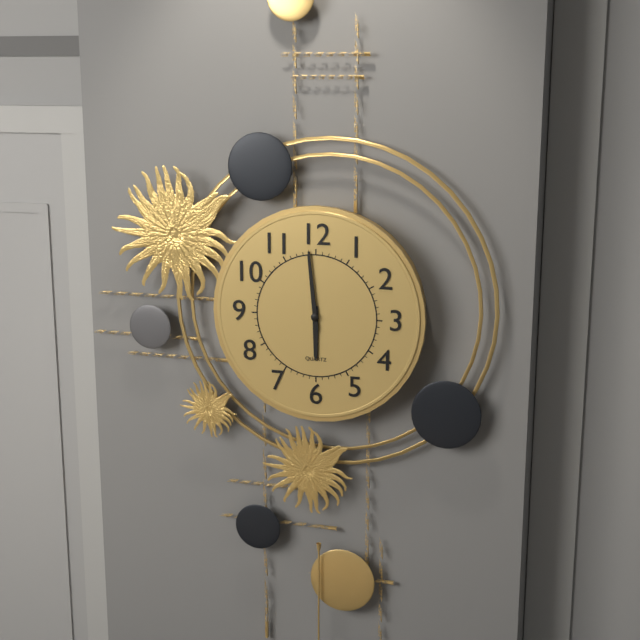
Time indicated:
**5:59**
